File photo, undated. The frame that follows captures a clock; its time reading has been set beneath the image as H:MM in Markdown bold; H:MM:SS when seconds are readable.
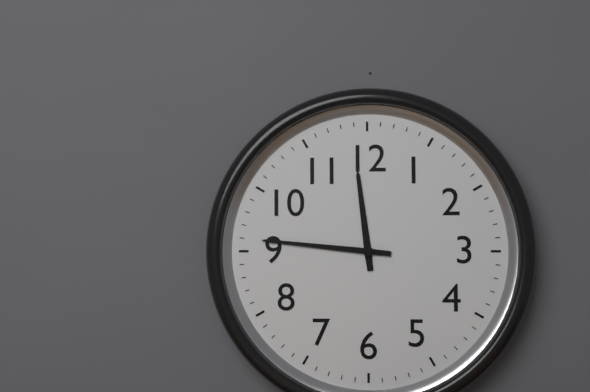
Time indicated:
**11:46**
